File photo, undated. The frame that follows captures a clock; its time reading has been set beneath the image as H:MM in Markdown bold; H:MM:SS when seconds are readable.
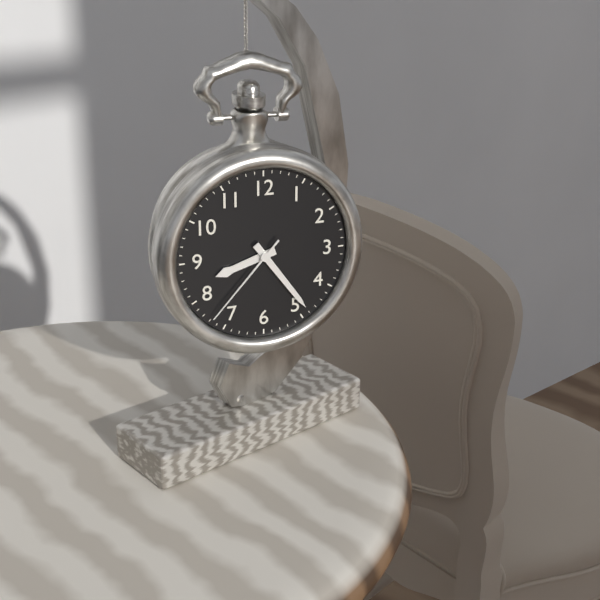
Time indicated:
**8:24:37**
